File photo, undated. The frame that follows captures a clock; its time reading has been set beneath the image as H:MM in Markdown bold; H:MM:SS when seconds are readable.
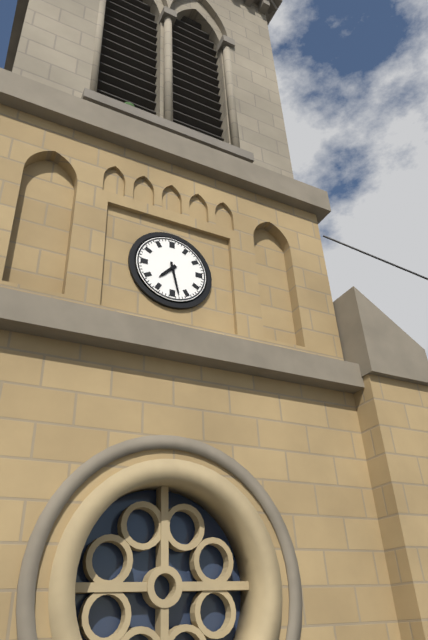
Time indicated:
**7:28**
